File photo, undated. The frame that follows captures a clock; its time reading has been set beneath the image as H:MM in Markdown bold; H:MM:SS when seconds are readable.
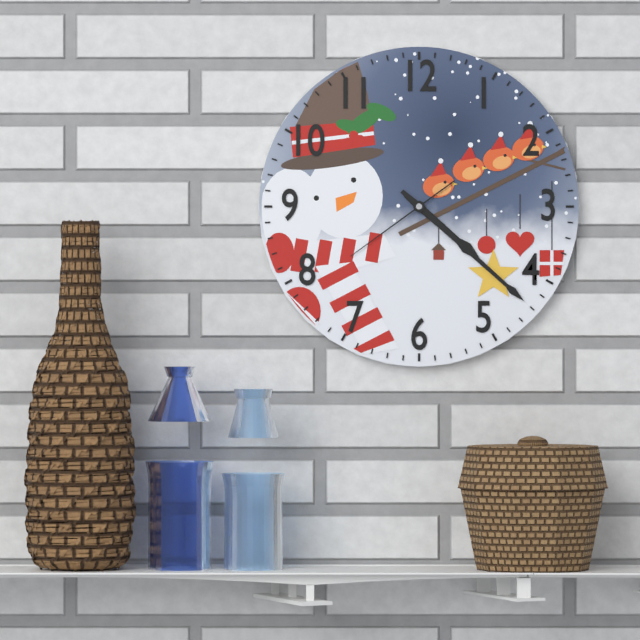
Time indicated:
**4:22:39**
